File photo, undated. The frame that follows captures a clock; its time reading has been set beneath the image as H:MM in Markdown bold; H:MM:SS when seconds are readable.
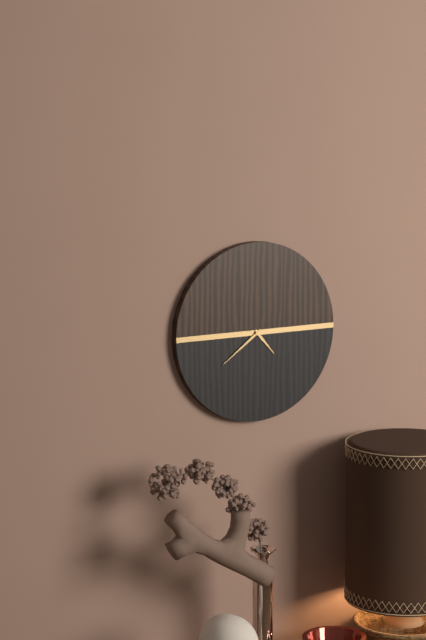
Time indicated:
**4:39**
